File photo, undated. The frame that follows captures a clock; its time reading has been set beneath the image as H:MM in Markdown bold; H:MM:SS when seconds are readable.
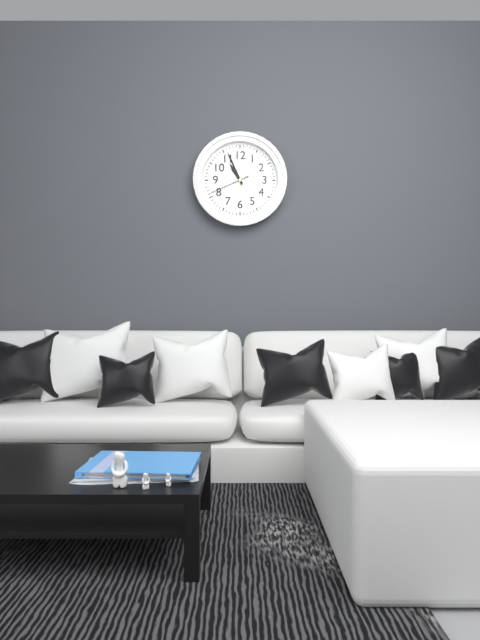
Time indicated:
**10:56**
